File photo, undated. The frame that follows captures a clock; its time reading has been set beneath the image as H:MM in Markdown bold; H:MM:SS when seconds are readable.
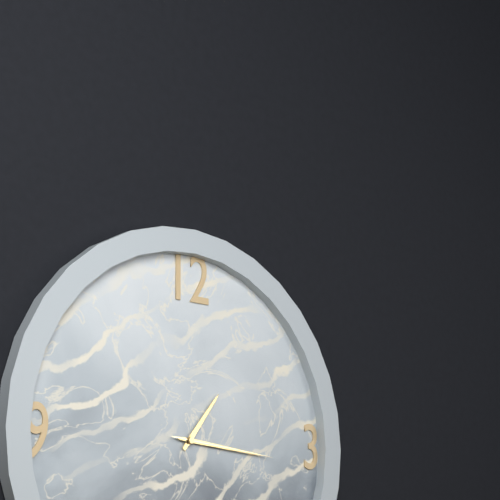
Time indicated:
**1:16:16**
